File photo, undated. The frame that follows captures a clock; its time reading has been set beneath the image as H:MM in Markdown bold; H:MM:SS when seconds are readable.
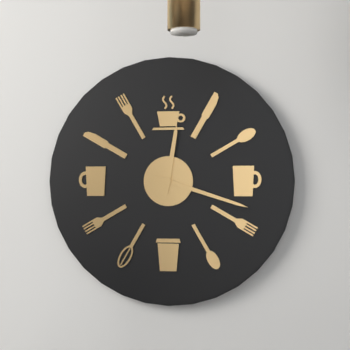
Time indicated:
**12:18**
